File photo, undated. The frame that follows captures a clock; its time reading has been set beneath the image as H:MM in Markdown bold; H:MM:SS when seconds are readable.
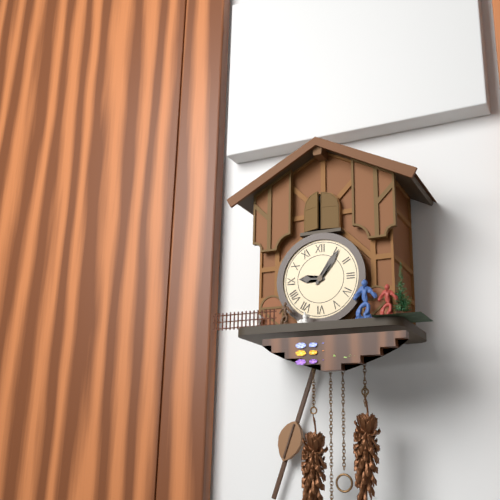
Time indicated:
**9:06**
